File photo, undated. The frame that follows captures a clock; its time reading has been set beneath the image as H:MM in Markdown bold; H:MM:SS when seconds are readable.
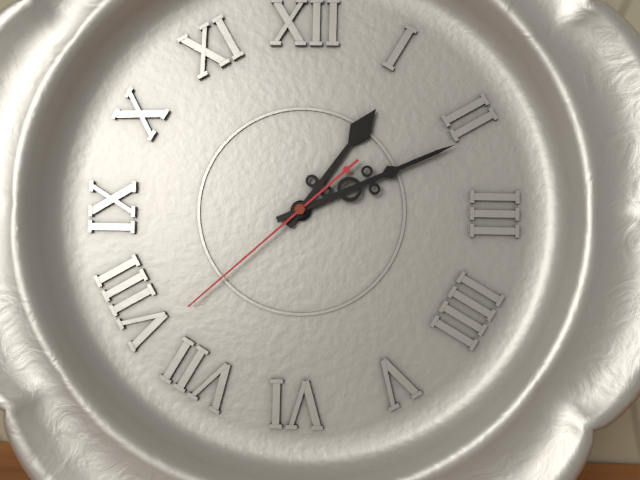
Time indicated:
**1:11:38**
